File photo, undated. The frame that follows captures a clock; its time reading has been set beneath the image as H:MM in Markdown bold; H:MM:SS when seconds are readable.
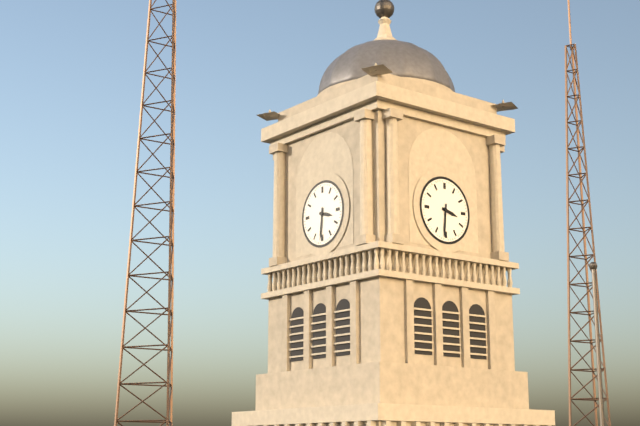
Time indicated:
**3:31**
